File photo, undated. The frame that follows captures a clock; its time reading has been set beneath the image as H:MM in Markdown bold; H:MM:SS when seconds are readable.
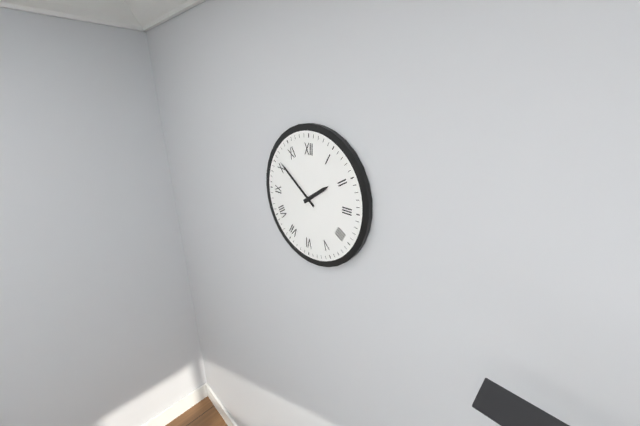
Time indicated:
**1:51**
